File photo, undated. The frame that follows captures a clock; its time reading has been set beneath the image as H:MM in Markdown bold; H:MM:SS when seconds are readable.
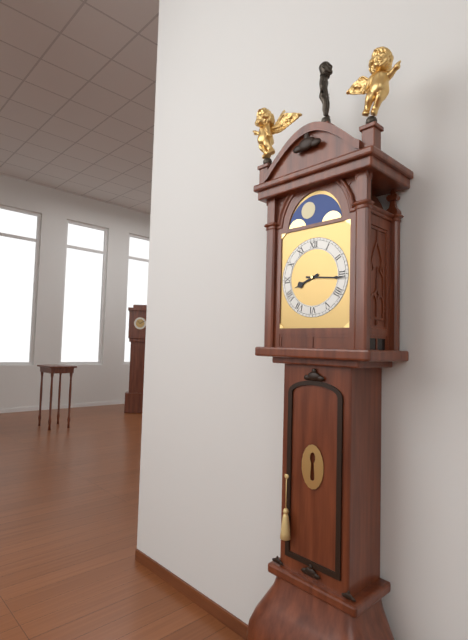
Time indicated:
**8:16**
